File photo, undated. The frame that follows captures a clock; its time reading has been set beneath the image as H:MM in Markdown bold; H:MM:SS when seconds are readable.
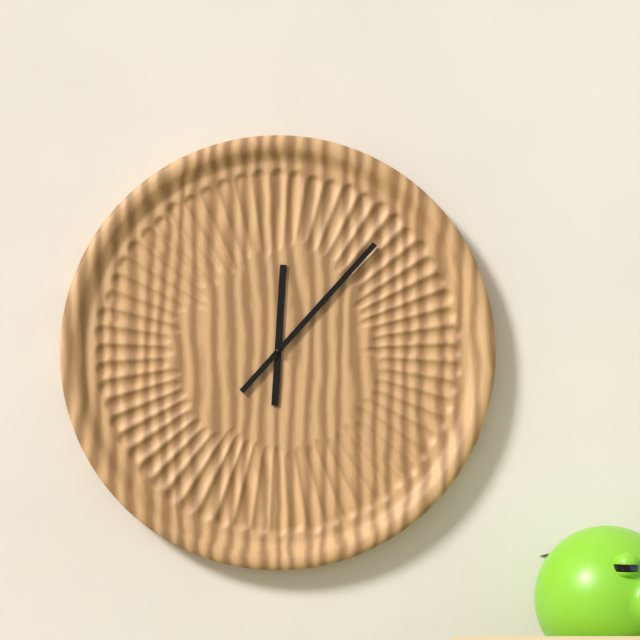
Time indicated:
**12:07**
